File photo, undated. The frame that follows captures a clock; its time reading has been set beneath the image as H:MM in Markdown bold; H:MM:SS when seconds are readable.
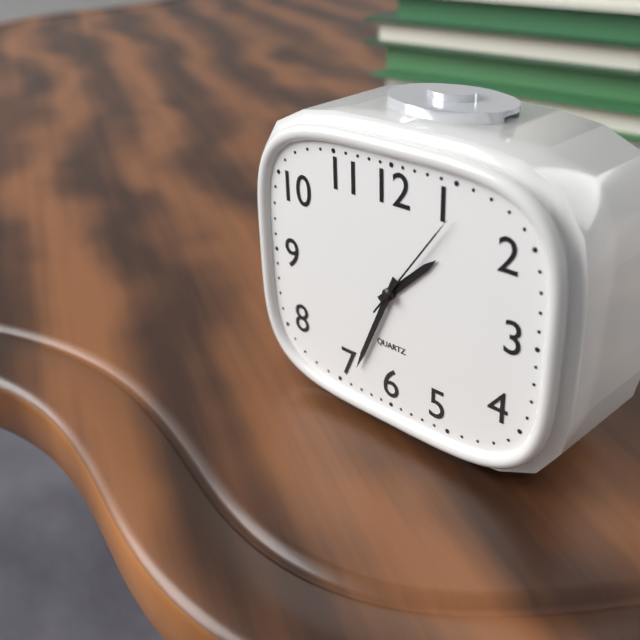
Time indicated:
**1:34:06**
